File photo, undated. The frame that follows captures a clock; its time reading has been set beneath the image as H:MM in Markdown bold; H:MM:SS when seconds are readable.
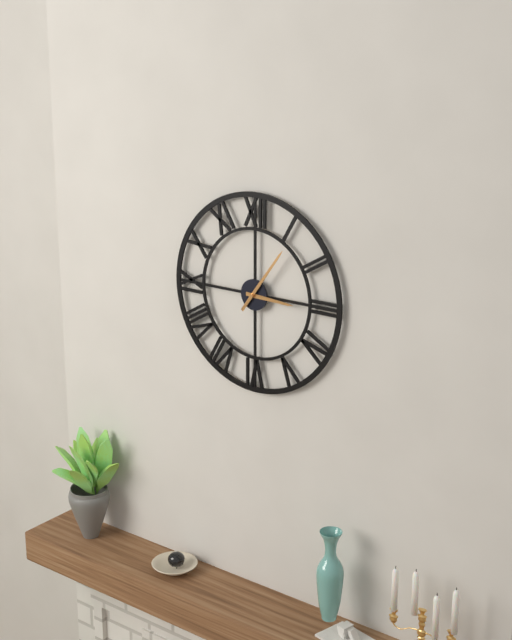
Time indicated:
**3:06**
